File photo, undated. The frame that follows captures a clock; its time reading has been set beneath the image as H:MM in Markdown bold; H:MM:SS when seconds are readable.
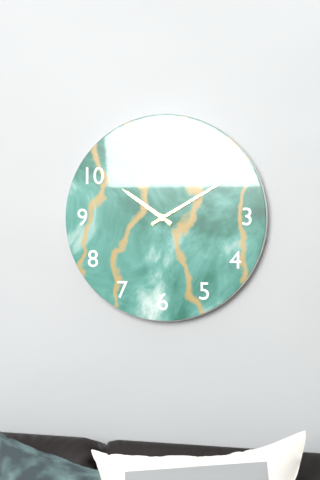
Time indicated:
**10:10**
